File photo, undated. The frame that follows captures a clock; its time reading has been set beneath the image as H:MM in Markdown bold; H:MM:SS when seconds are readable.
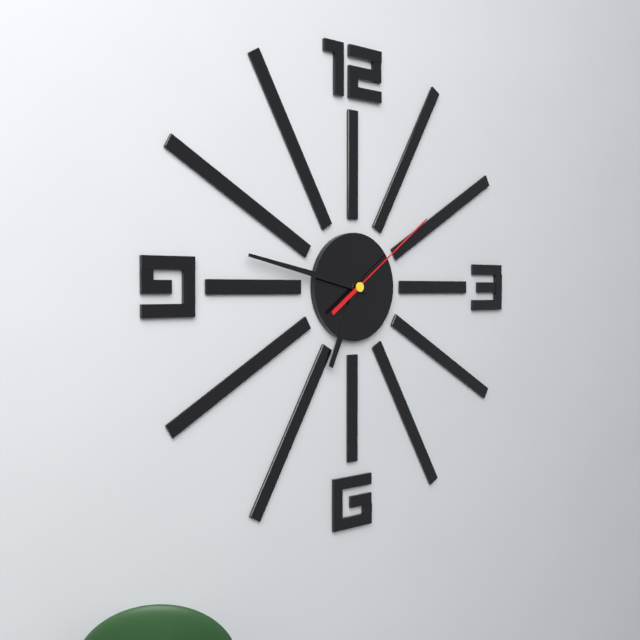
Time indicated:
**6:47:09**
